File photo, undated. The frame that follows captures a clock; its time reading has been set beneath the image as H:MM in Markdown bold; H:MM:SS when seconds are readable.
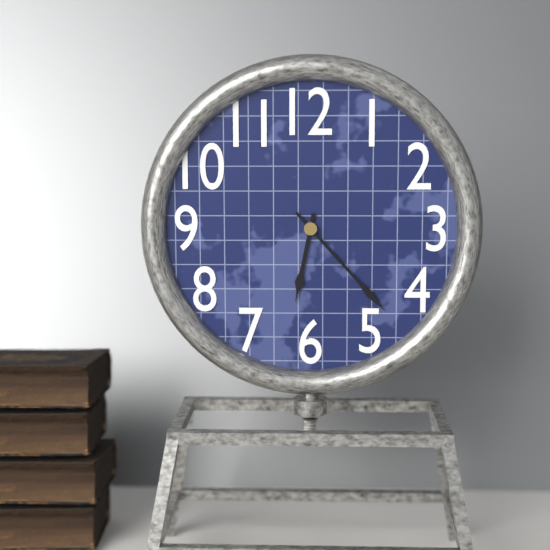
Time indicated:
**6:23**
